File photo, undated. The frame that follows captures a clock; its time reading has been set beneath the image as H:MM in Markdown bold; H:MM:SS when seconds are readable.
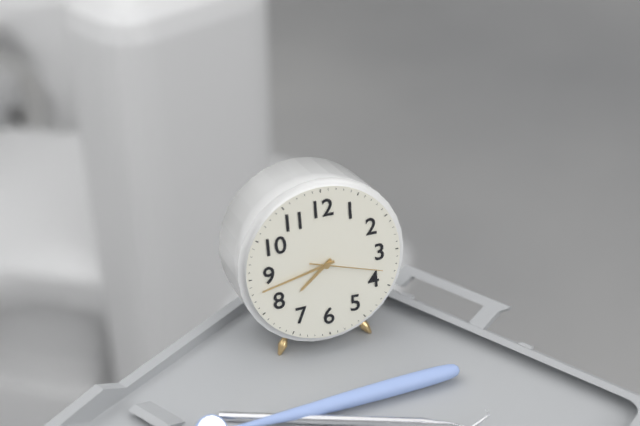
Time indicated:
**7:43:18**
